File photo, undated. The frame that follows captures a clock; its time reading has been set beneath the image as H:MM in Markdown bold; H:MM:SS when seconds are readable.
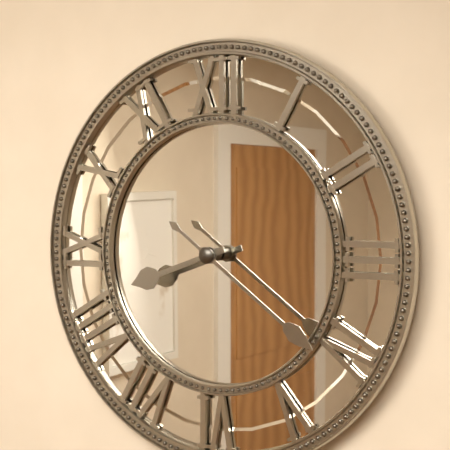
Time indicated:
**8:21**
